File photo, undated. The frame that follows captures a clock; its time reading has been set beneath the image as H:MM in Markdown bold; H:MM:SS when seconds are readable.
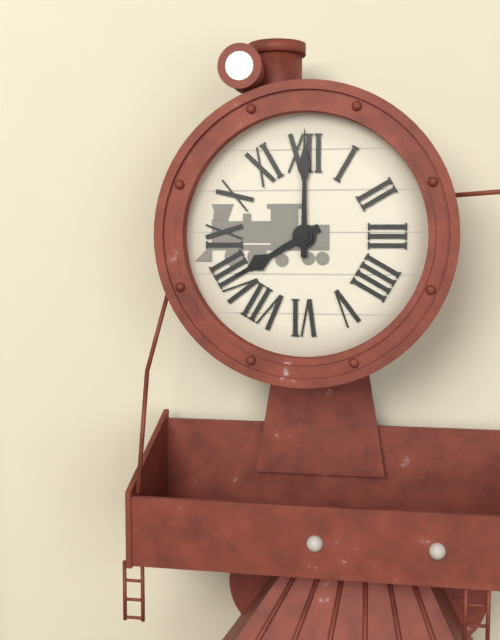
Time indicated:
**8:00**
